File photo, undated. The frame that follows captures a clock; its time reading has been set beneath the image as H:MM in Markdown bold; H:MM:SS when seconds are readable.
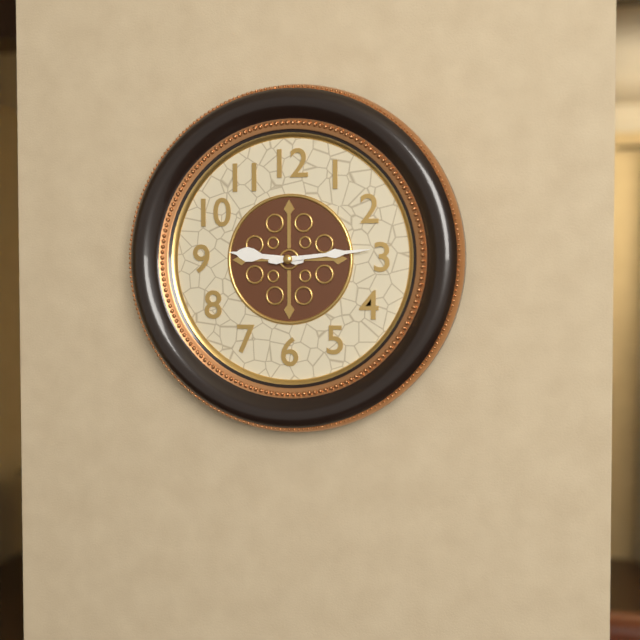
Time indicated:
**9:14**
